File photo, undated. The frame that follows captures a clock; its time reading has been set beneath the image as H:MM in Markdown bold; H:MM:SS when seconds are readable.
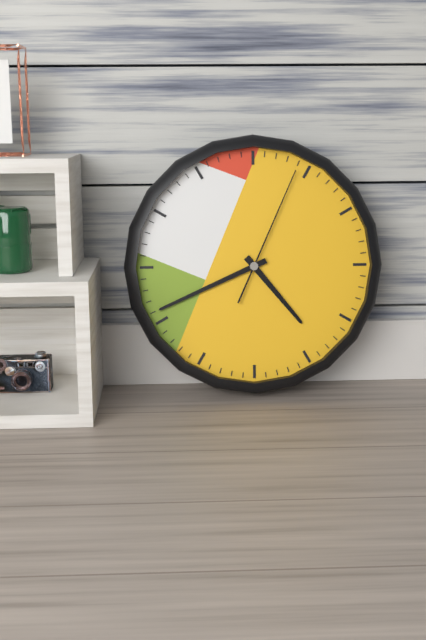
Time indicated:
**4:41:04**
